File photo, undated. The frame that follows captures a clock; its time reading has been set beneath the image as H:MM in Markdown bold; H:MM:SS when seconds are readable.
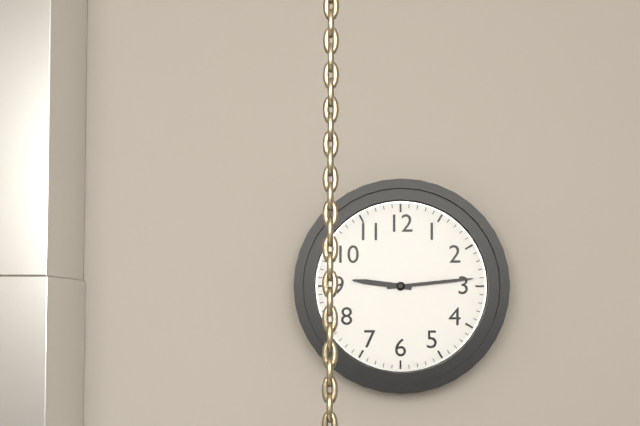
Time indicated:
**9:14**
